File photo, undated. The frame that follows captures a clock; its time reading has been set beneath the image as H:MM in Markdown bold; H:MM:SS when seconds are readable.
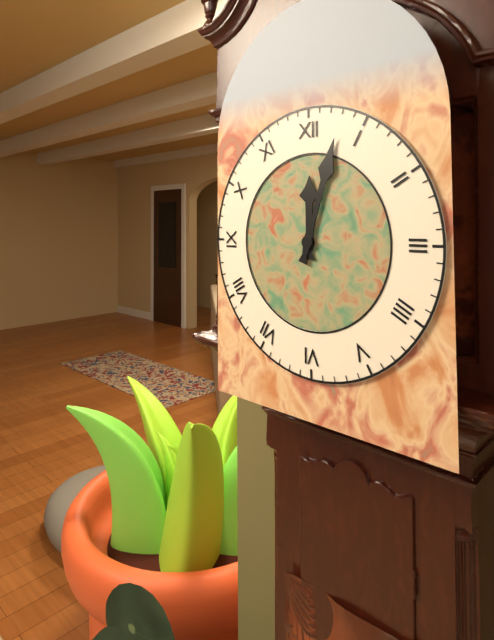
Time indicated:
**12:03**
